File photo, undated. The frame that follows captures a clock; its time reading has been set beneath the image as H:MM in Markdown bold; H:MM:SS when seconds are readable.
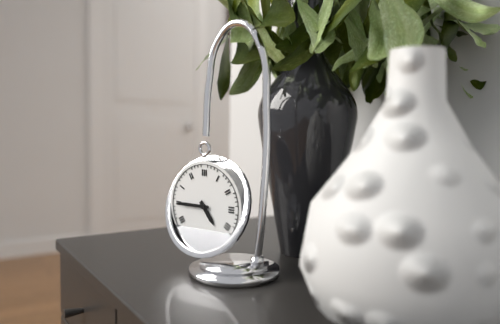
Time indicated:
**4:45**
